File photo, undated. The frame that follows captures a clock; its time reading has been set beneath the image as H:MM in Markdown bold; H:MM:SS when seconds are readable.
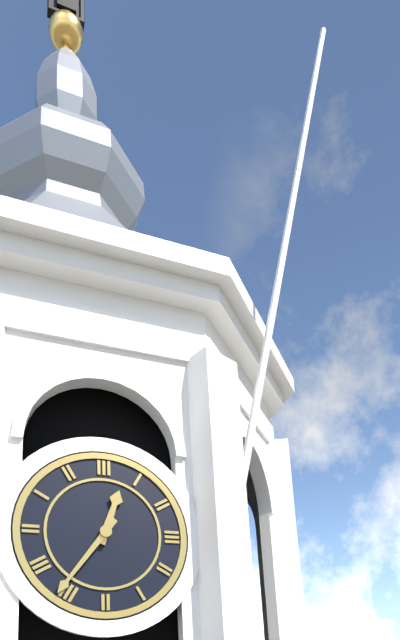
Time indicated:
**12:36**
